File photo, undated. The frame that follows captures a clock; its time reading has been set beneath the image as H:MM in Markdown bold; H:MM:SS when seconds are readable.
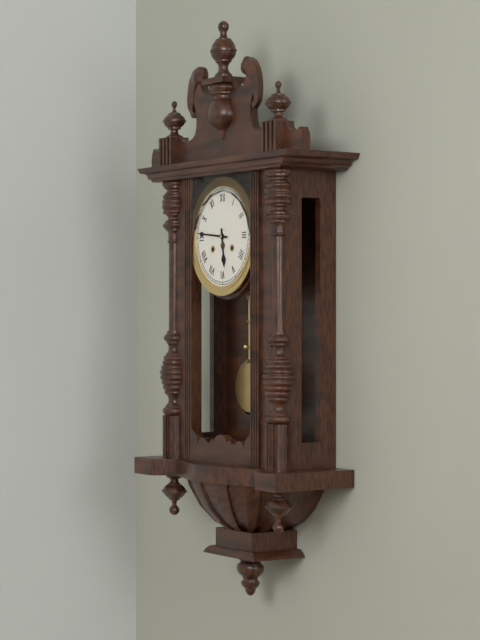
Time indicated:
**5:46**
